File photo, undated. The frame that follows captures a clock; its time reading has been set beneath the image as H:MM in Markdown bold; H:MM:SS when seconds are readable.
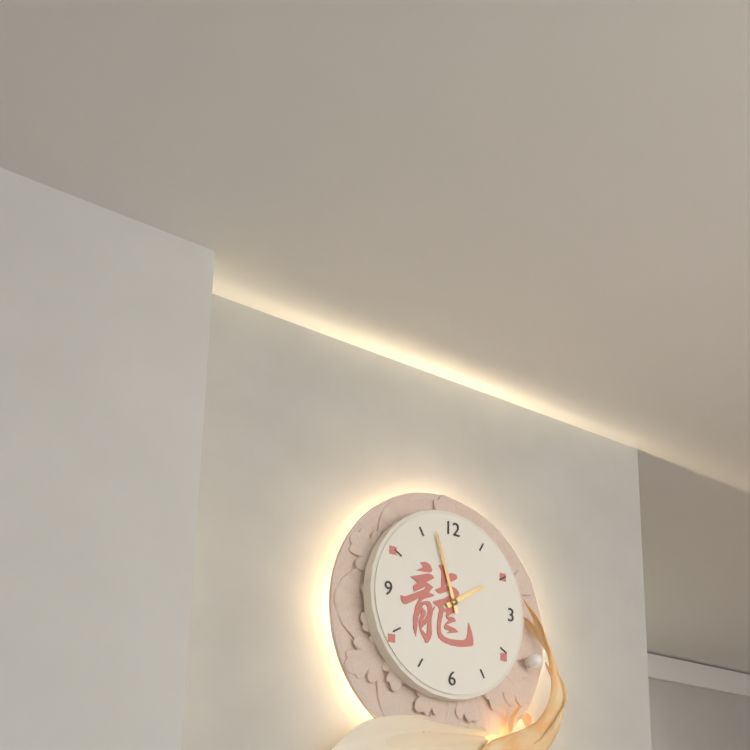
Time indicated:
**1:57**
